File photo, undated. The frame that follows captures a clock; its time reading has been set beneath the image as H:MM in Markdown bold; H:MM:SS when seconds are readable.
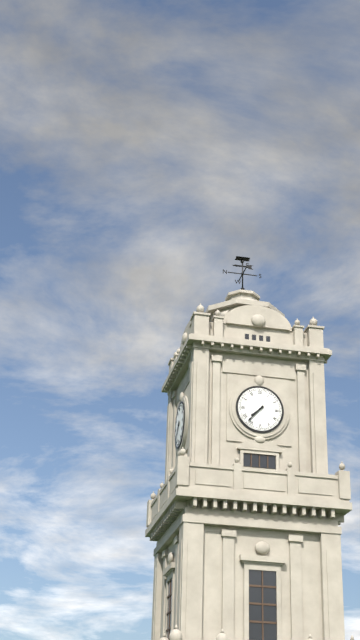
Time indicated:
**7:37**
